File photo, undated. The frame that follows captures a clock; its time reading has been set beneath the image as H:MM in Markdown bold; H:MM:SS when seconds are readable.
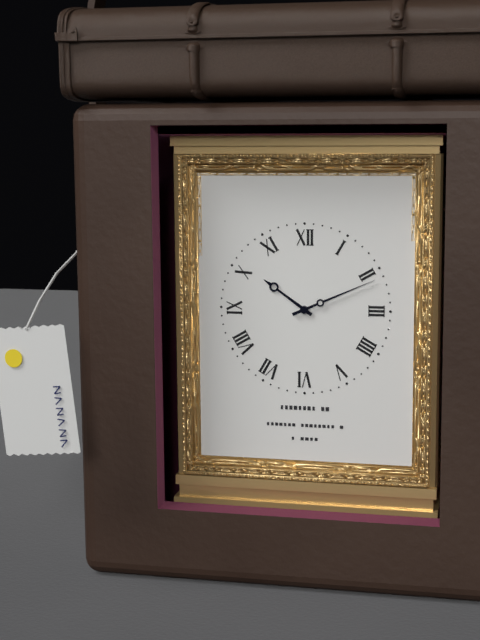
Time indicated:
**10:11**
